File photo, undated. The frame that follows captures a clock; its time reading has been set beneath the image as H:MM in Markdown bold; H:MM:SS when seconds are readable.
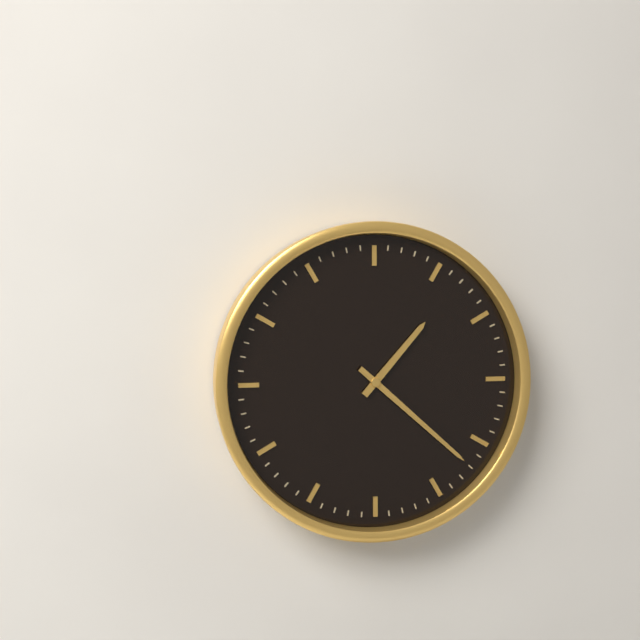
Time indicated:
**1:22**
